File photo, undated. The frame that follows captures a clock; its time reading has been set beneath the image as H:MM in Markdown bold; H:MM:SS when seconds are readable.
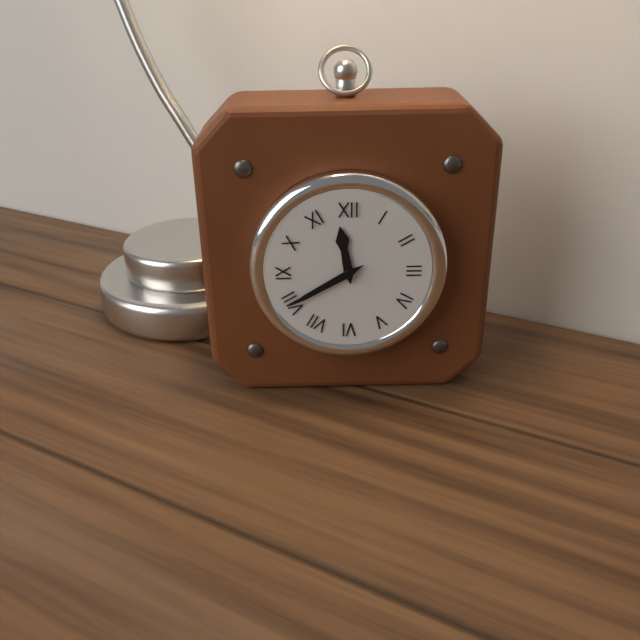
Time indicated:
**11:40**
